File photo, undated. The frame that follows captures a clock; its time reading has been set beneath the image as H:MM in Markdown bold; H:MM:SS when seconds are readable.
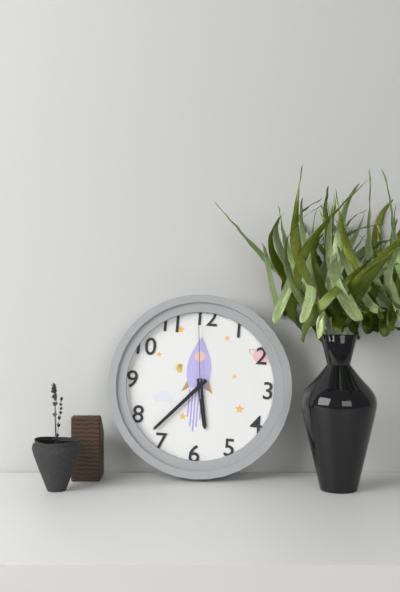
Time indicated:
**5:37:59**
